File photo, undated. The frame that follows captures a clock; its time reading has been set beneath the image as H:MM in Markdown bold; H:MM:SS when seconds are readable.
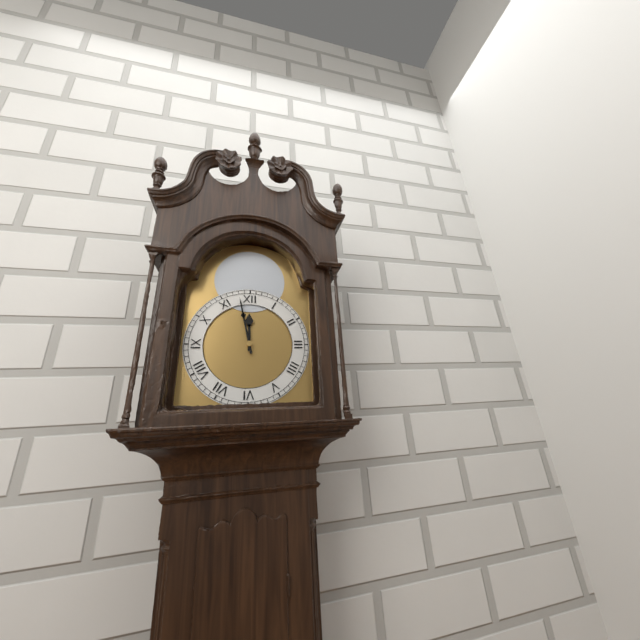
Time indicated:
**11:58**
